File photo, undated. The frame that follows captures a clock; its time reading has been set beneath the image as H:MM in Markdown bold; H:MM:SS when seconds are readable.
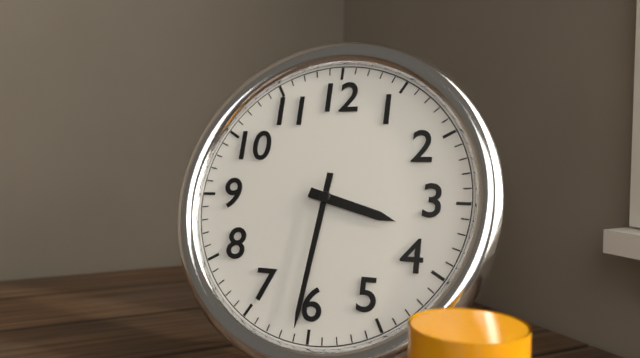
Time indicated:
**3:31**
